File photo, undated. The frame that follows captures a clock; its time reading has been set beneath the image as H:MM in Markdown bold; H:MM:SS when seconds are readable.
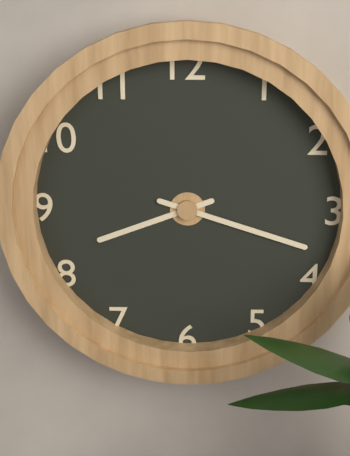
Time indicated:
**8:18**
